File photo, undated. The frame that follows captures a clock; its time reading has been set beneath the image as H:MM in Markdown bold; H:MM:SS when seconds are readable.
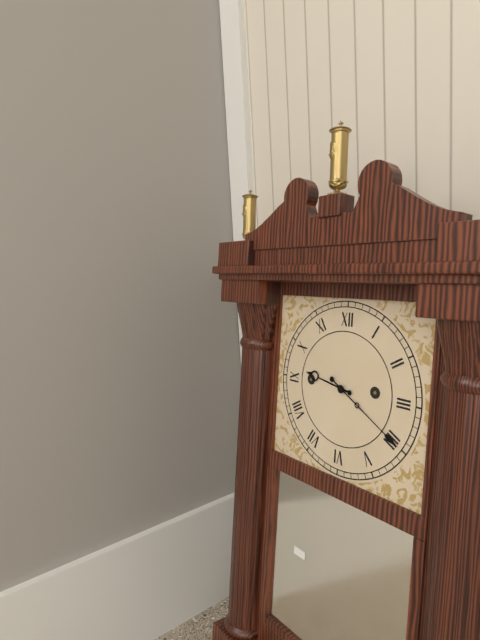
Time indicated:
**9:20**
